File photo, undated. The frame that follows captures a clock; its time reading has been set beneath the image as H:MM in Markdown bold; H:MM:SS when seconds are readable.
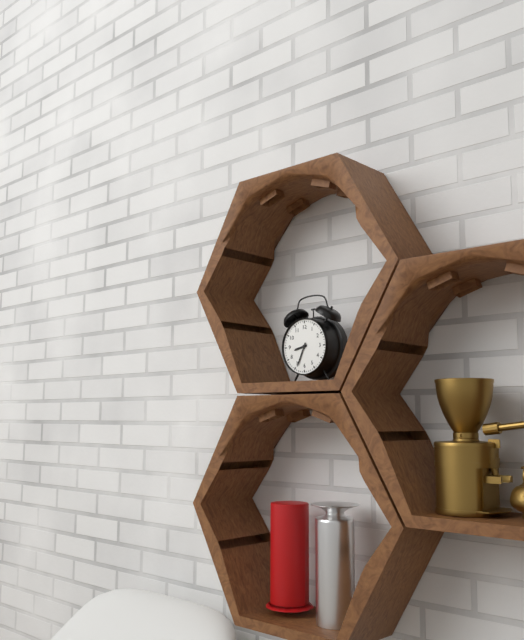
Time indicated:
**8:34**
